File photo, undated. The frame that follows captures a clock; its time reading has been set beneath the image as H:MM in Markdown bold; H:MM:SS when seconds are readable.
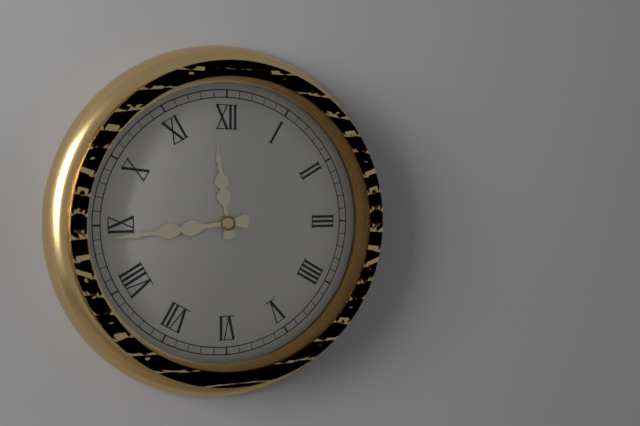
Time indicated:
**11:44**
